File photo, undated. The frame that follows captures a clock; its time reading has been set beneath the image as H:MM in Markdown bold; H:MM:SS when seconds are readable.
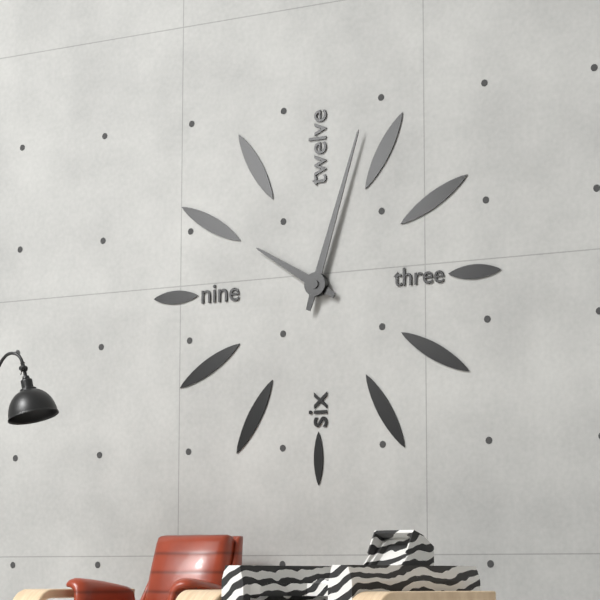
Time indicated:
**10:03**
